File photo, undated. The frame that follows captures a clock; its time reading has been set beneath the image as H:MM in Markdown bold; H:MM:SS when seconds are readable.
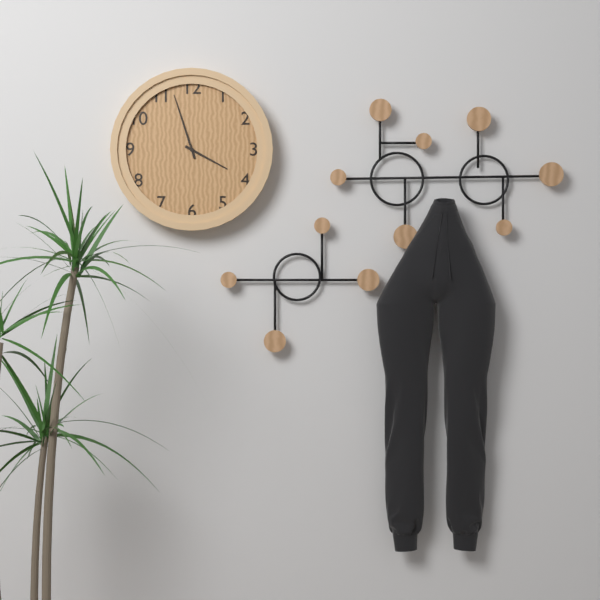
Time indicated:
**3:57**
